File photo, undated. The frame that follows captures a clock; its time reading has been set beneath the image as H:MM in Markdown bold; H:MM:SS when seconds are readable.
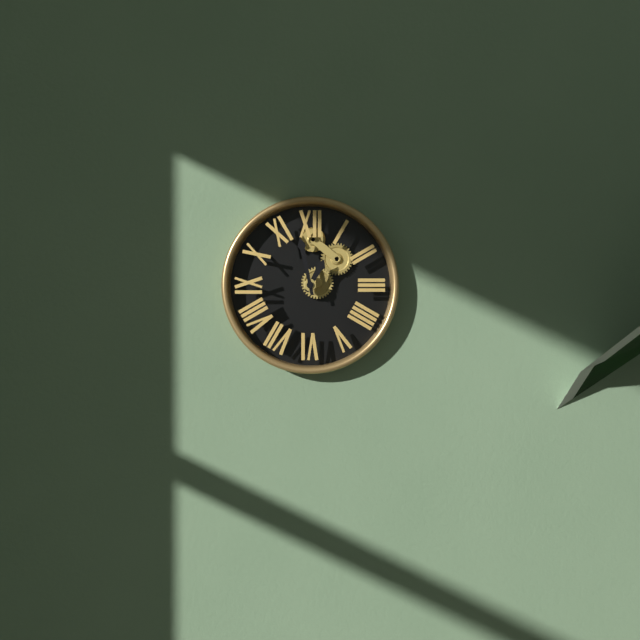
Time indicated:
**12:58**
